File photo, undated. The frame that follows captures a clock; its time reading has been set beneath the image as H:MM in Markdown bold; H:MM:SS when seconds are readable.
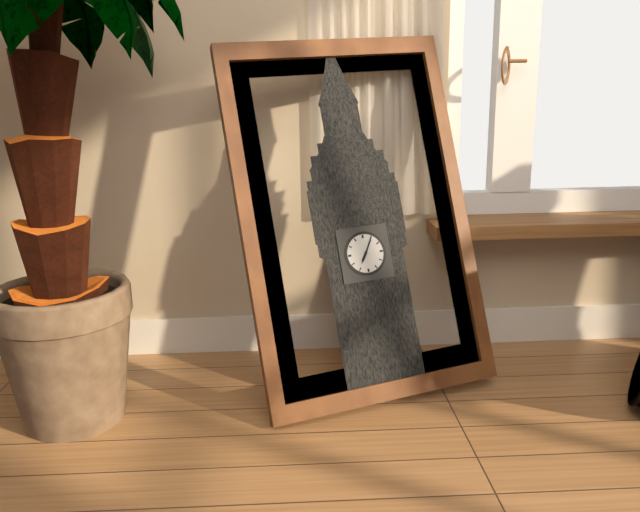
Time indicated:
**7:05**
